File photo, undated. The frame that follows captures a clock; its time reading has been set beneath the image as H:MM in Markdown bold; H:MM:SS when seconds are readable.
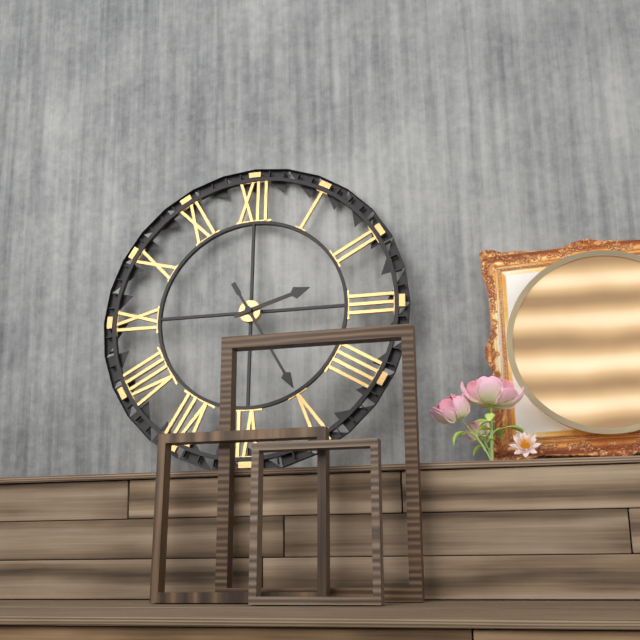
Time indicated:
**2:25**
